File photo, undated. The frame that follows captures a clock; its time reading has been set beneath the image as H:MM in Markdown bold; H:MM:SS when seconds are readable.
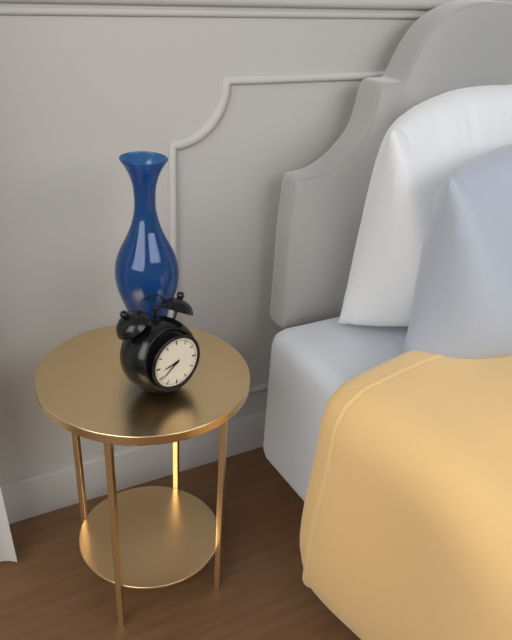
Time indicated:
**8:39**
